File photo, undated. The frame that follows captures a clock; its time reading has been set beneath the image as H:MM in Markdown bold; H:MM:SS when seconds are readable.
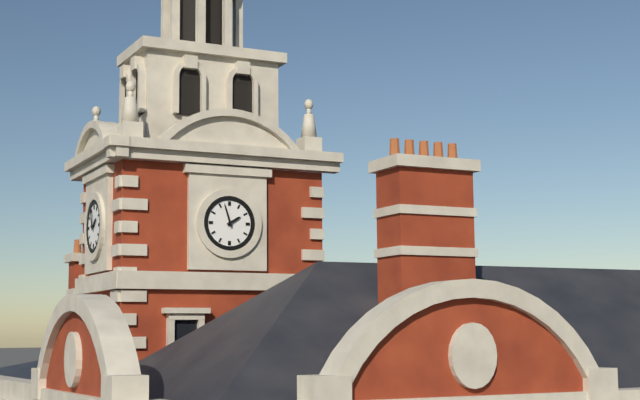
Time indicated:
**1:57**
